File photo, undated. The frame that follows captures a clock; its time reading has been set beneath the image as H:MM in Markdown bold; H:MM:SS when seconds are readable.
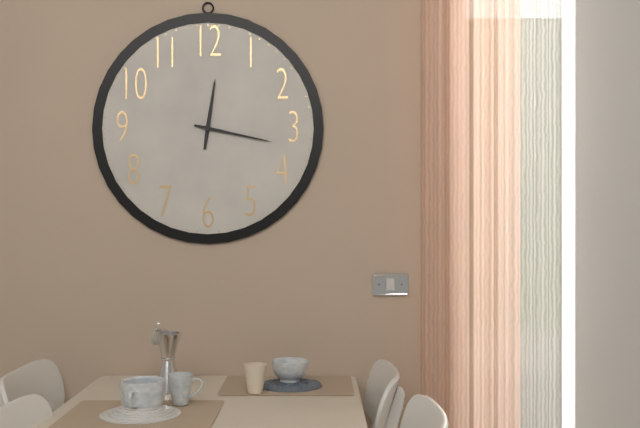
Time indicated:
**12:17**
